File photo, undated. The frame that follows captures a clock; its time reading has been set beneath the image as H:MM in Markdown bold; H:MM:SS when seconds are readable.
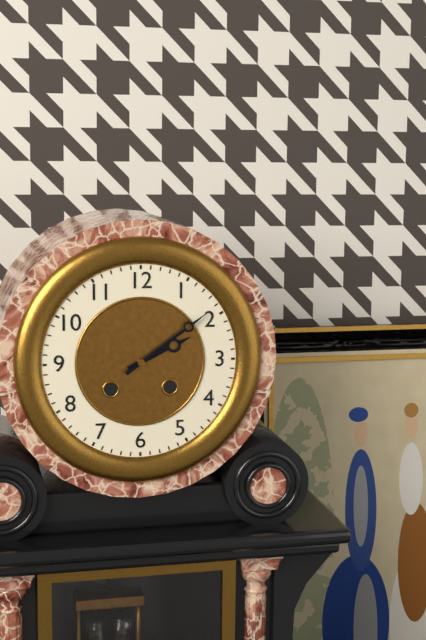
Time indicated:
**2:09**
